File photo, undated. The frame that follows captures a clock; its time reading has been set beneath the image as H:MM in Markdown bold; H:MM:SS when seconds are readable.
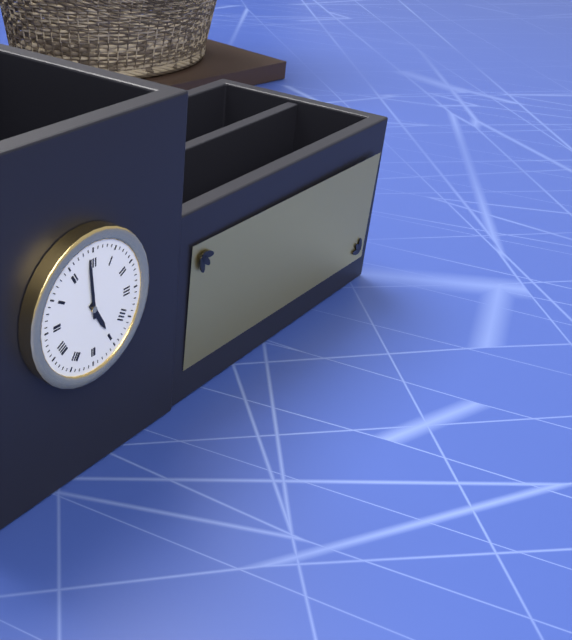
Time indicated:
**4:59**
